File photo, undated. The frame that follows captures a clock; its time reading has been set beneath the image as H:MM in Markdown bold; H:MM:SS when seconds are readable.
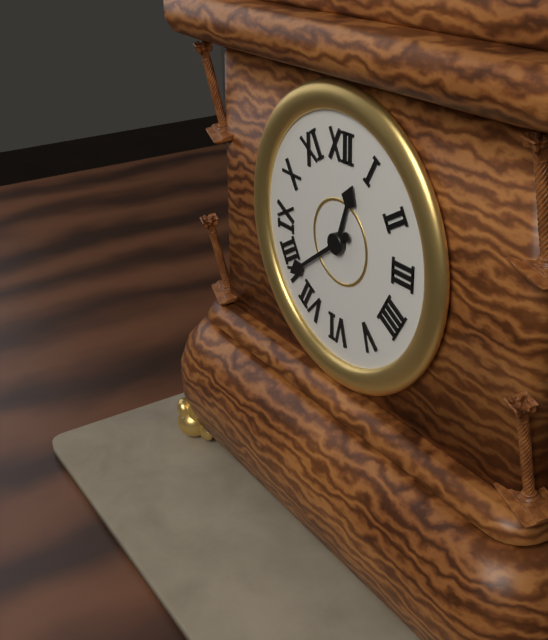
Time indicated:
**12:39**
